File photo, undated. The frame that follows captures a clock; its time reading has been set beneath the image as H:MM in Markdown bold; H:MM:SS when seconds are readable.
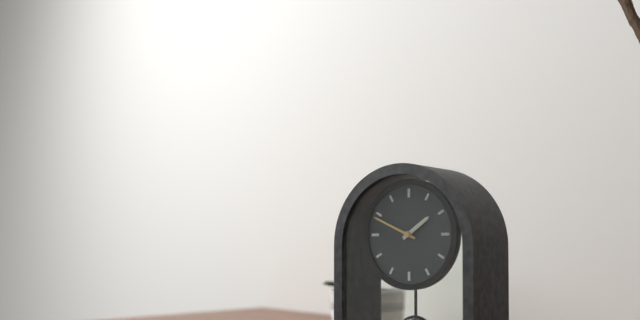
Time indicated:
**1:49**
